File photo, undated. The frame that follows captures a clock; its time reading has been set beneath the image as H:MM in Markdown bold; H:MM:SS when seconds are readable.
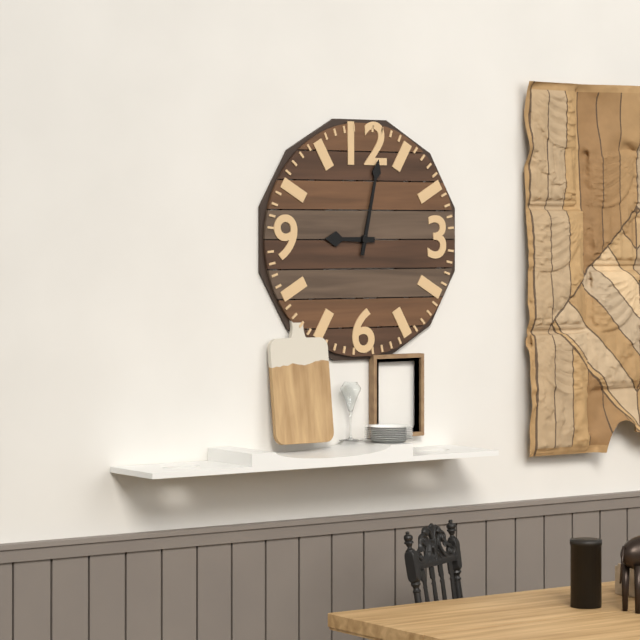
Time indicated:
**9:02**
